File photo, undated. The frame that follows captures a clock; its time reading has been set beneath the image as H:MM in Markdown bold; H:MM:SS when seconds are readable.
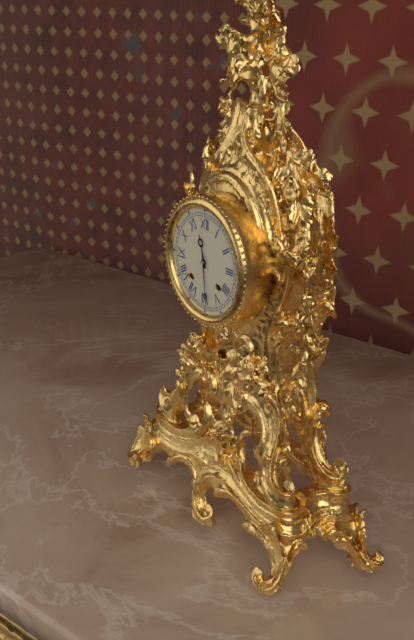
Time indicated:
**11:29**
